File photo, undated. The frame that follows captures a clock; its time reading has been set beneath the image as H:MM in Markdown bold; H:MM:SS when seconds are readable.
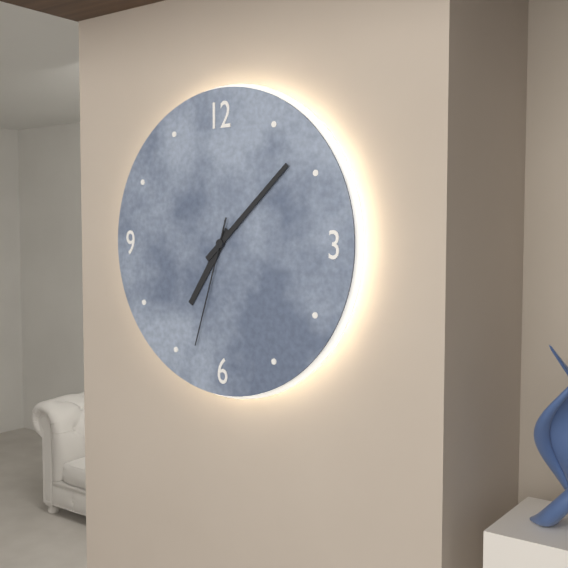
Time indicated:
**7:08:33**
